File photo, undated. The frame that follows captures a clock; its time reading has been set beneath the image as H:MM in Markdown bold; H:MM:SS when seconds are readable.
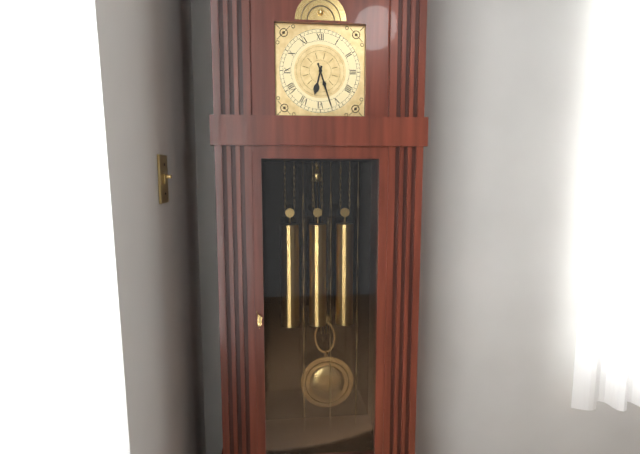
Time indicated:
**6:27**
